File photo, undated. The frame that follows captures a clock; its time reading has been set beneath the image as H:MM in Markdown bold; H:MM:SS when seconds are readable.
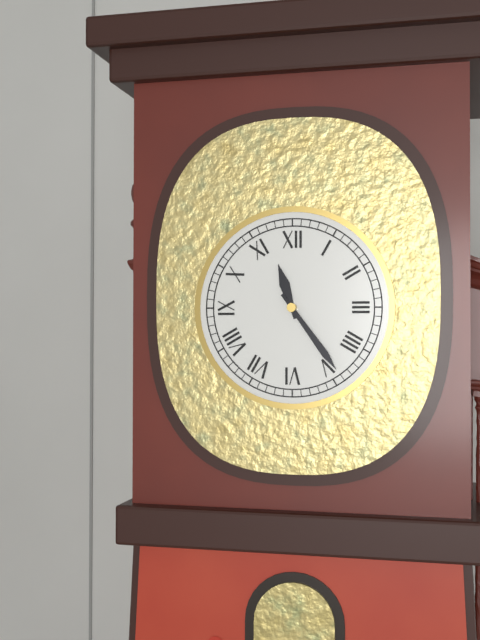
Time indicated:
**11:24**
